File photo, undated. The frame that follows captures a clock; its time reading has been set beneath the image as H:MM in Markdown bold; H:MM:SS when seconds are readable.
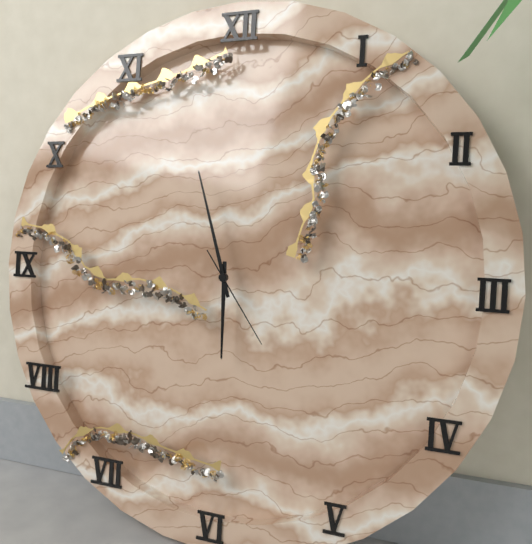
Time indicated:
**5:57:24**
